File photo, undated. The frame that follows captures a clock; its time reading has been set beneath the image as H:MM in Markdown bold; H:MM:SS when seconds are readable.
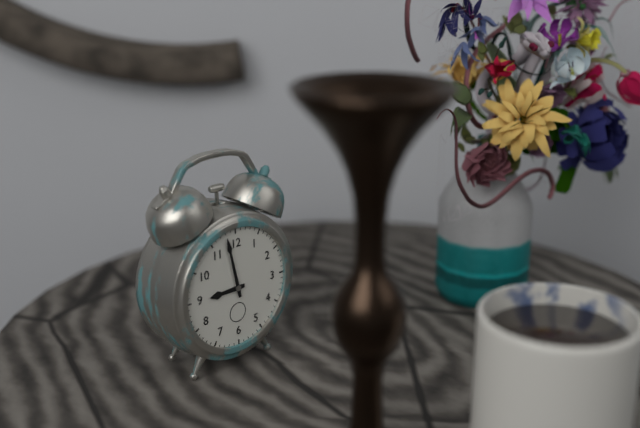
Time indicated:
**8:58**
